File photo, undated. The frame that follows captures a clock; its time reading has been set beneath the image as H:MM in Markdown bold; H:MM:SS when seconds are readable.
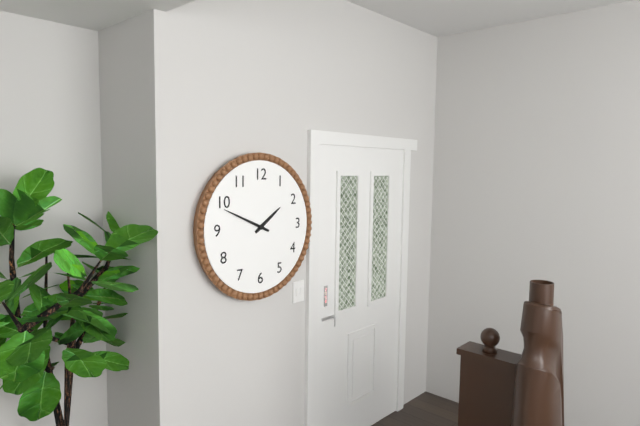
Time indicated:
**1:49**
